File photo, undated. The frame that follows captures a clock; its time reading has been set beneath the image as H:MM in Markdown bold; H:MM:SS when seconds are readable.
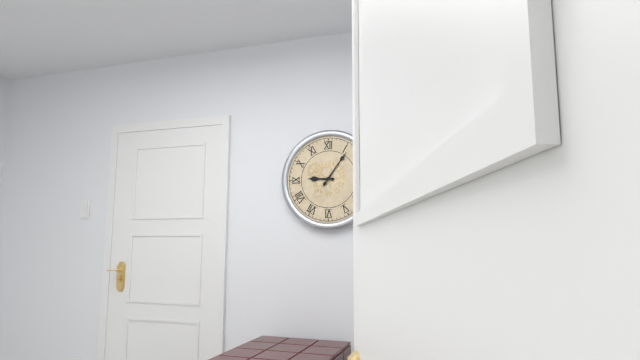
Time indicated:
**9:06**
